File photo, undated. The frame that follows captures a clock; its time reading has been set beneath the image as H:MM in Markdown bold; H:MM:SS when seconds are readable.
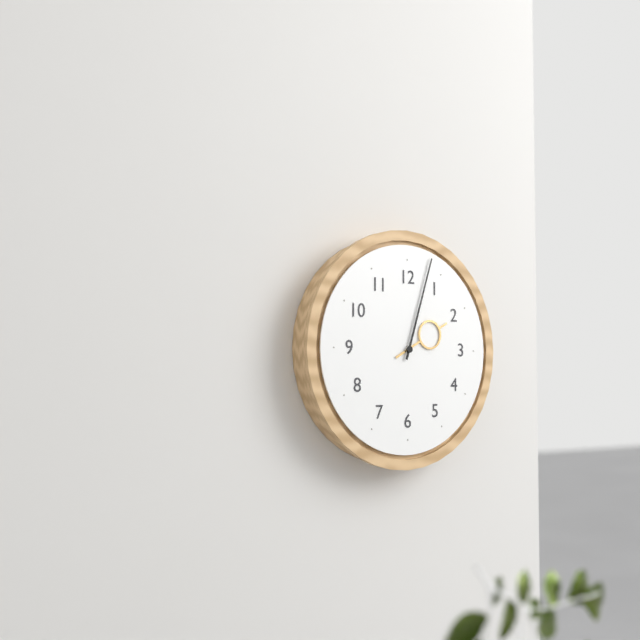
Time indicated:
**2:03**
